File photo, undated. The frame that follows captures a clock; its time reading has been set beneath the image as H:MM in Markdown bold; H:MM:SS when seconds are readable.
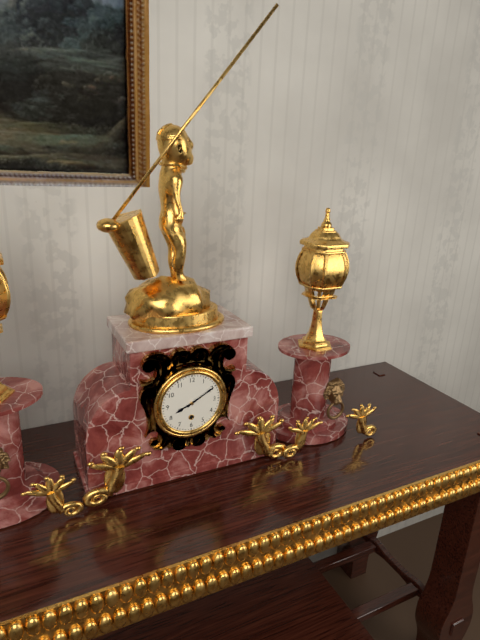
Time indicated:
**8:10**
